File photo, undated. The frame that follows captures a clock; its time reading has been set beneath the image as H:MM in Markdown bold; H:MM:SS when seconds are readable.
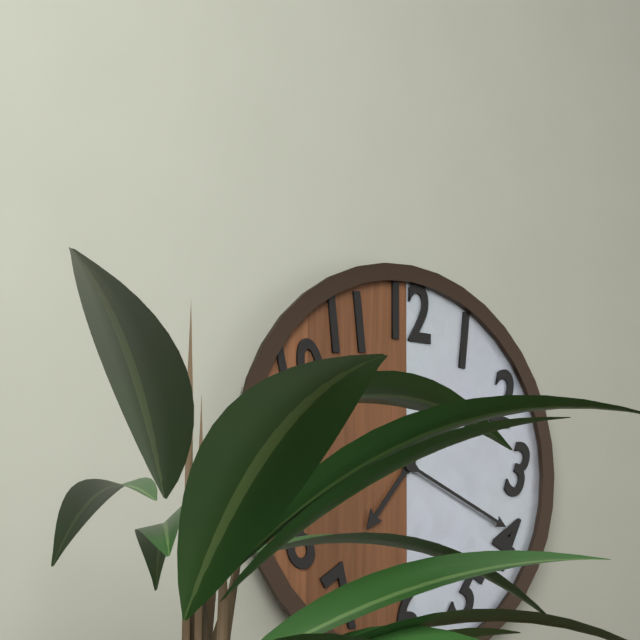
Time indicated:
**7:19**
